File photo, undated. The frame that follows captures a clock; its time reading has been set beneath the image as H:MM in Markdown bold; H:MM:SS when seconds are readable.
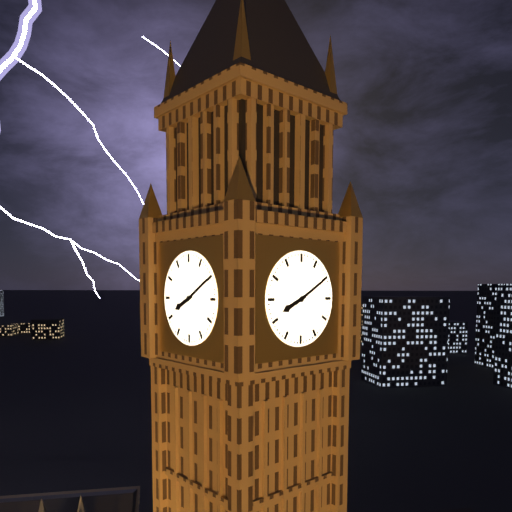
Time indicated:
**8:10**
